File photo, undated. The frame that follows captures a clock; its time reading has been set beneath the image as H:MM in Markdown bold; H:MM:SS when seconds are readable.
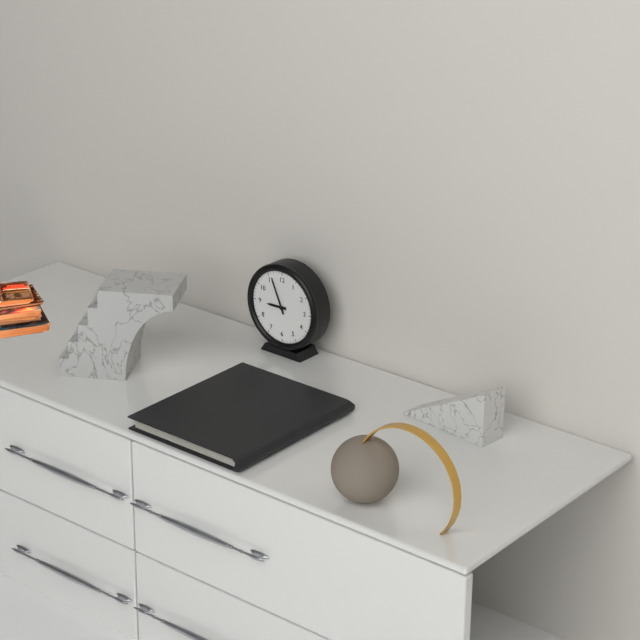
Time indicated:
**8:56**
